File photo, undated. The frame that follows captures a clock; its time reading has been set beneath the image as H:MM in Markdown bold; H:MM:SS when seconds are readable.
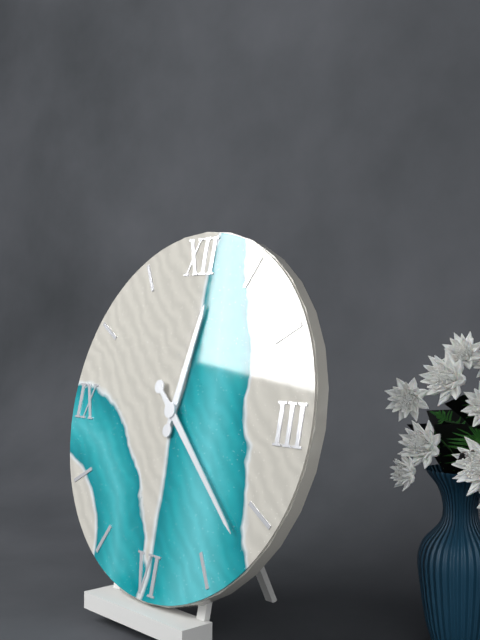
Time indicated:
**12:22**
